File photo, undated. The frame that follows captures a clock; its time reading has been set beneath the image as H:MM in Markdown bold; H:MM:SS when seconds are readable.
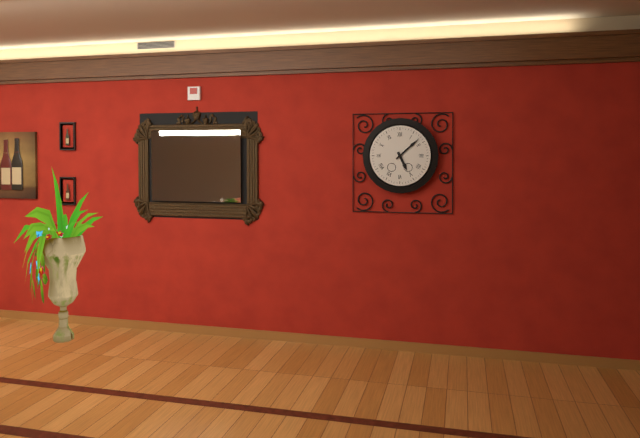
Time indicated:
**5:08**
